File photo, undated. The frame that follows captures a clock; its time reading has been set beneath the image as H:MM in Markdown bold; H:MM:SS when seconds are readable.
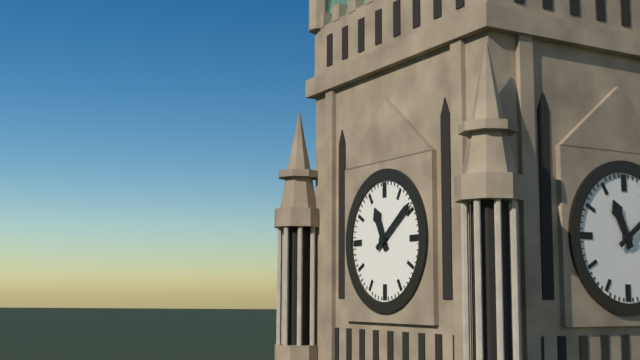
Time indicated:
**11:09**
